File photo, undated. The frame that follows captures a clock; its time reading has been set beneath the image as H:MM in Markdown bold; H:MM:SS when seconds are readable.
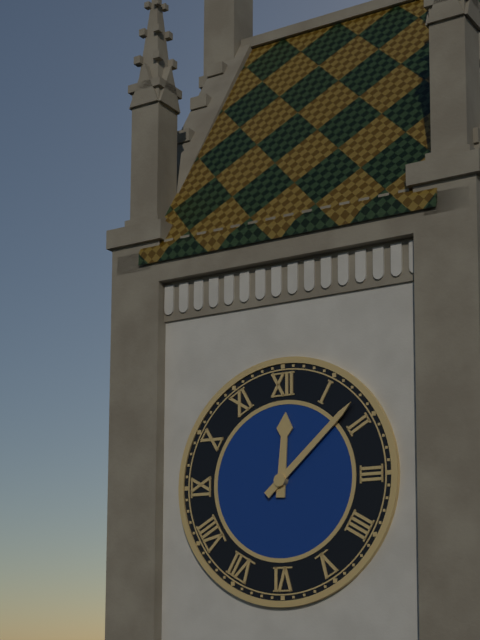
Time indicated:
**12:08**
